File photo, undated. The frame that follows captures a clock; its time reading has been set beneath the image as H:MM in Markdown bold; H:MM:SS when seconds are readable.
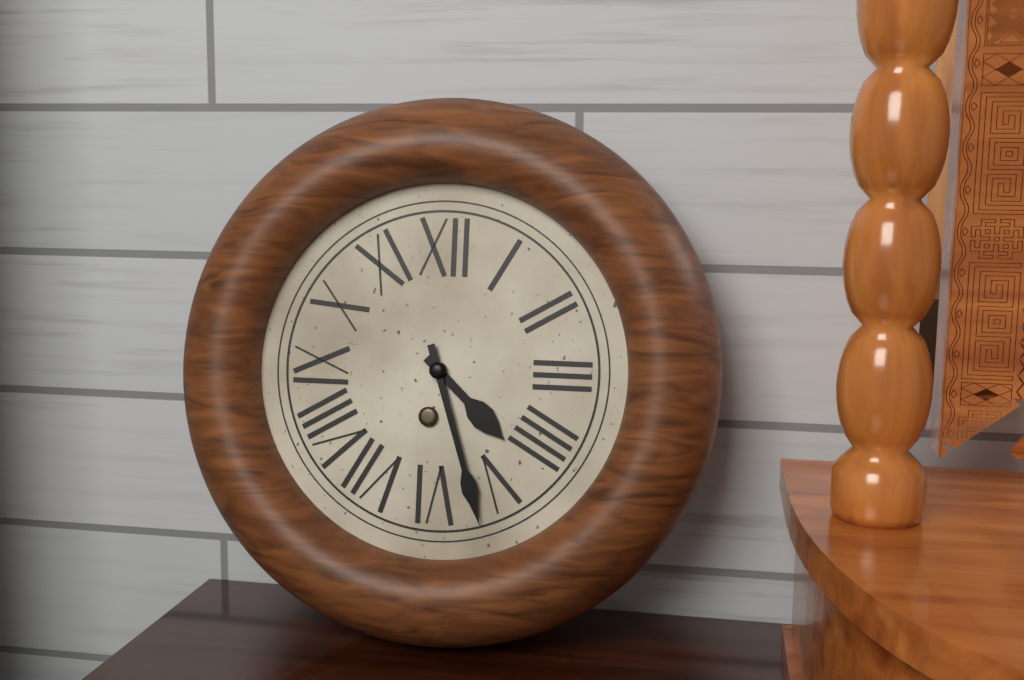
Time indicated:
**4:27**
